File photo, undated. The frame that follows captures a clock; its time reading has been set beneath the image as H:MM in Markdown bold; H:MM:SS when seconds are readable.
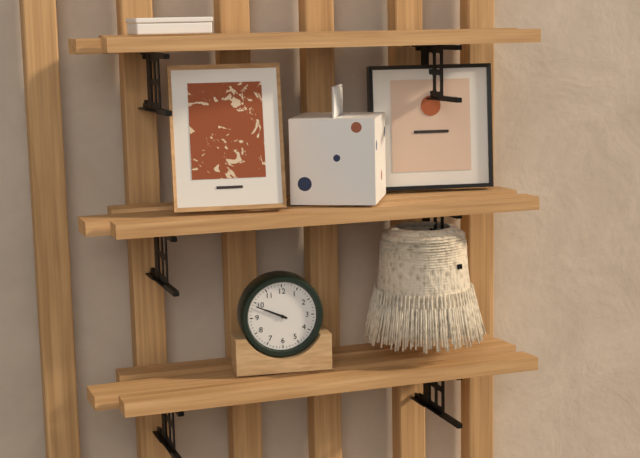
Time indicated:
**9:49**
